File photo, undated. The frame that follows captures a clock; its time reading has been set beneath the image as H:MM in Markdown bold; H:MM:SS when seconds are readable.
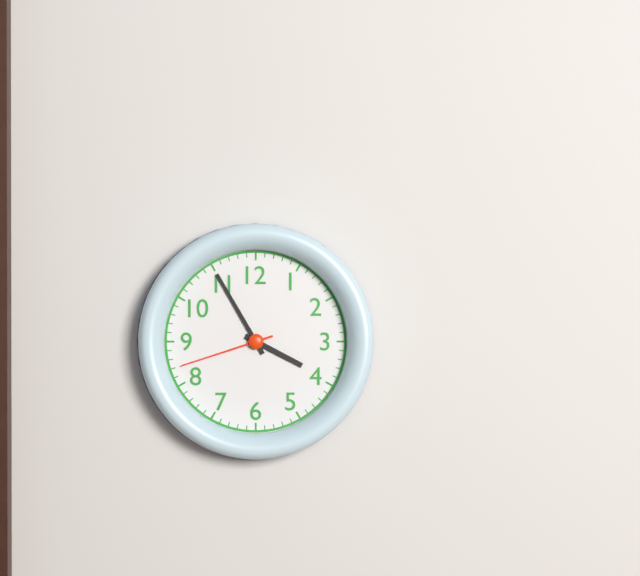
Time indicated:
**3:55:42**
